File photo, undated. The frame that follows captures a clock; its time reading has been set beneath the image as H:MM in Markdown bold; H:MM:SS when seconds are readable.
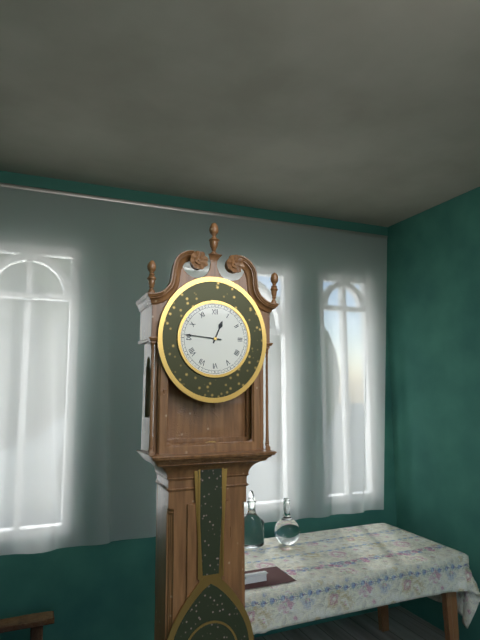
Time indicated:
**12:46**
